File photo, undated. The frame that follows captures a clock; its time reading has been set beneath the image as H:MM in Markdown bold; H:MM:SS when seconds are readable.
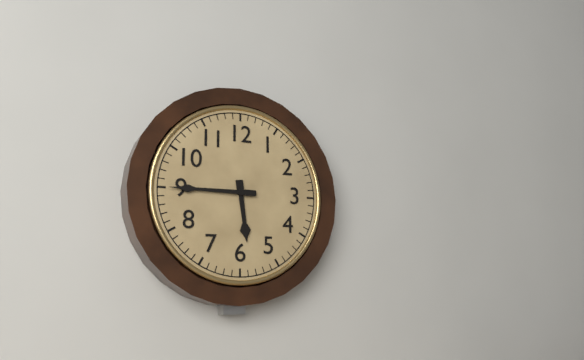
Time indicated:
**5:45**
